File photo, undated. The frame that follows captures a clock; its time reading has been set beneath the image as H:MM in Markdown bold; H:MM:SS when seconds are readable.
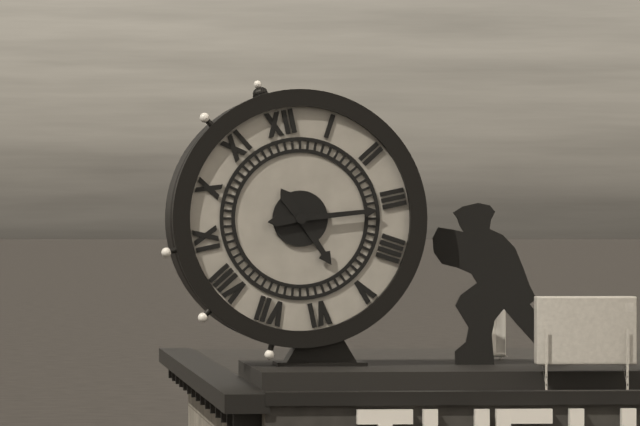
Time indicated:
**5:16**
